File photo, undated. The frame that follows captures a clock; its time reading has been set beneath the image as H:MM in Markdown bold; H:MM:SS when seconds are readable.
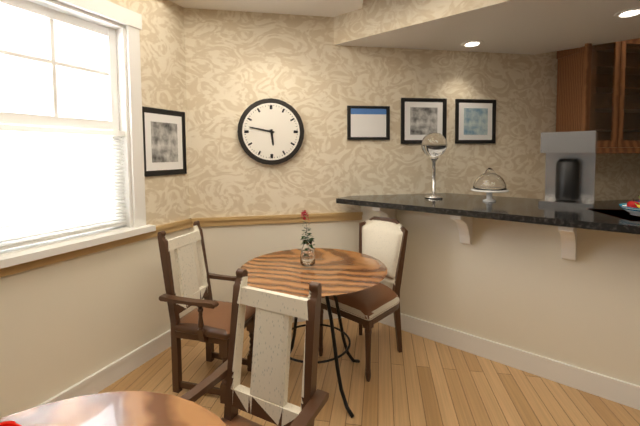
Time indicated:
**5:47**
